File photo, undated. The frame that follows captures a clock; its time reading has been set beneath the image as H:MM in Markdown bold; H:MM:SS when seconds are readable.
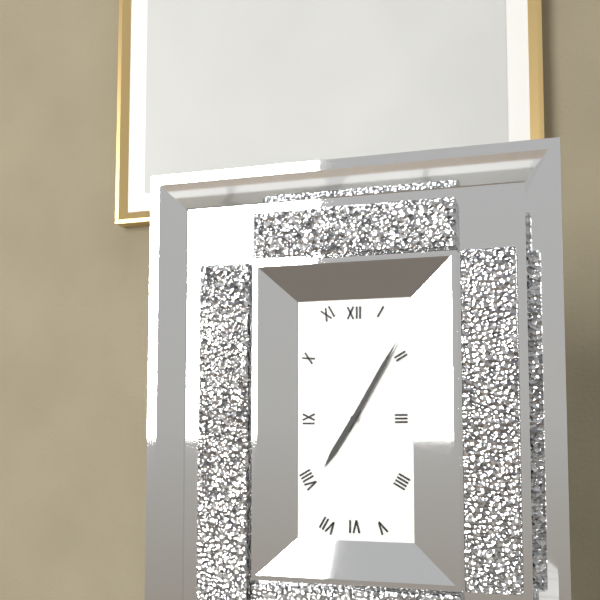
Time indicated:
**7:05**
